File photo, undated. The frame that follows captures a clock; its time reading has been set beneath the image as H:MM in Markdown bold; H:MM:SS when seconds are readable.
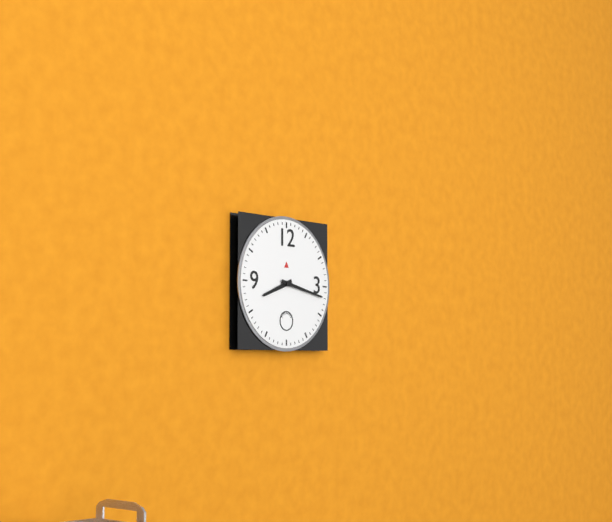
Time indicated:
**8:17**
